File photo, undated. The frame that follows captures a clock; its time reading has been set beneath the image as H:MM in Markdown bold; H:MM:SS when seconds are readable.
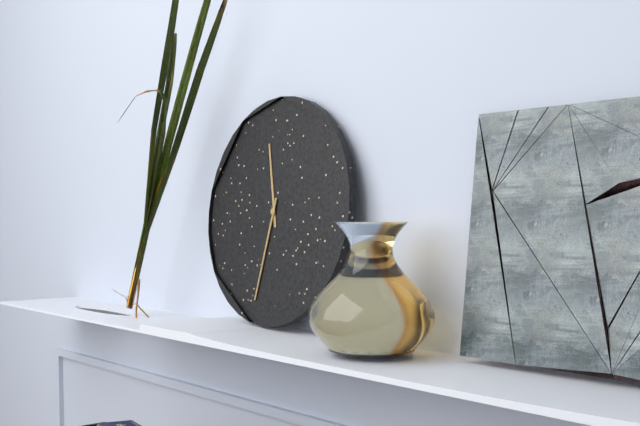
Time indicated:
**11:32**
